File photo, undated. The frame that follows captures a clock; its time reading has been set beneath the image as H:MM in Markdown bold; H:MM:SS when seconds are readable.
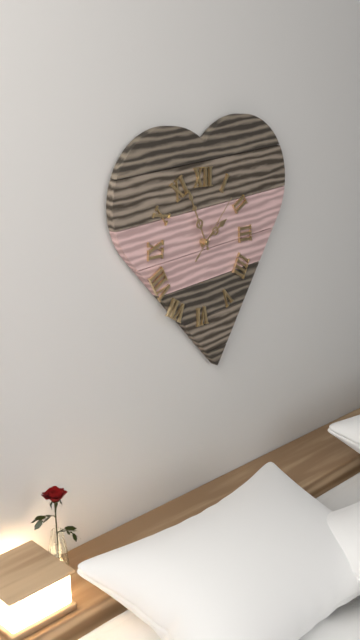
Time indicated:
**1:56:07**
